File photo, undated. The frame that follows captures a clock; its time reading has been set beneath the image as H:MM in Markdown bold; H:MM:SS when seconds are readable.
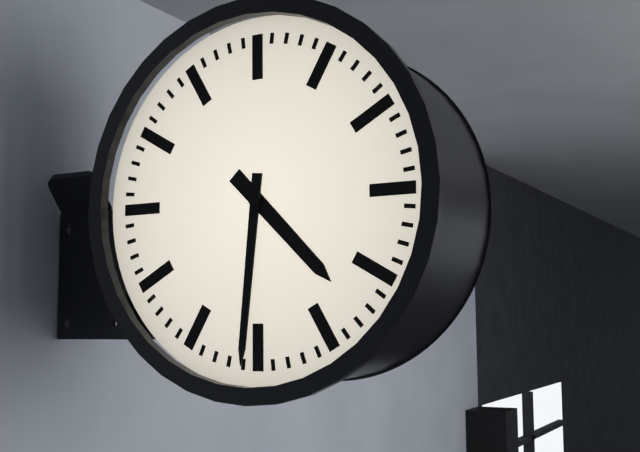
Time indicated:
**4:31**
